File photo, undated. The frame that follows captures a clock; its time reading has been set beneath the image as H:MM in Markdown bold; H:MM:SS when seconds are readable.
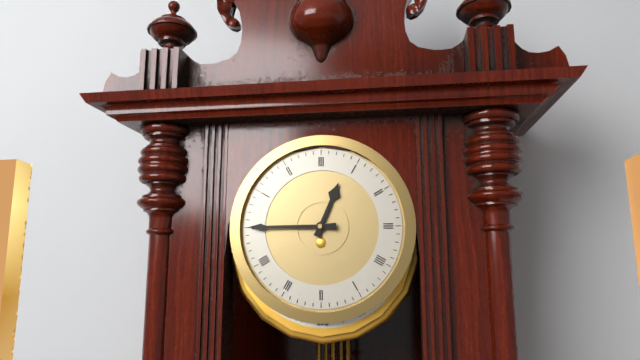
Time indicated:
**12:45**
